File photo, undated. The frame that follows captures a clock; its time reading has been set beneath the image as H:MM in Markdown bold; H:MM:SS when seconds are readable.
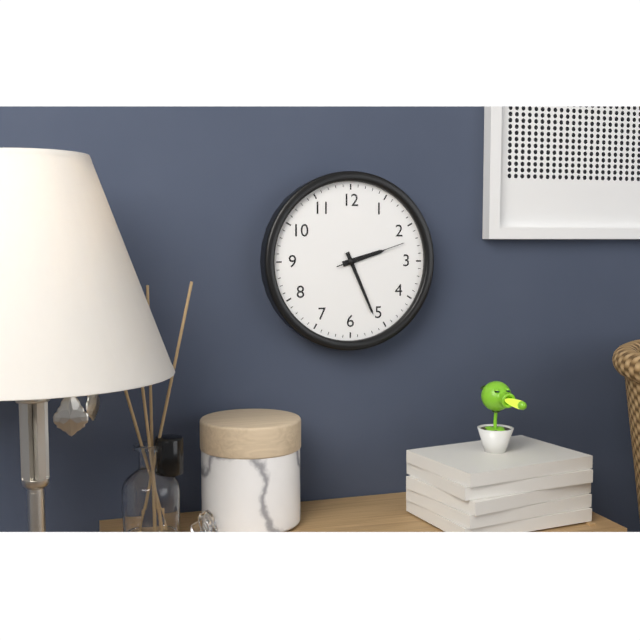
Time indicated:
**2:26:12**
